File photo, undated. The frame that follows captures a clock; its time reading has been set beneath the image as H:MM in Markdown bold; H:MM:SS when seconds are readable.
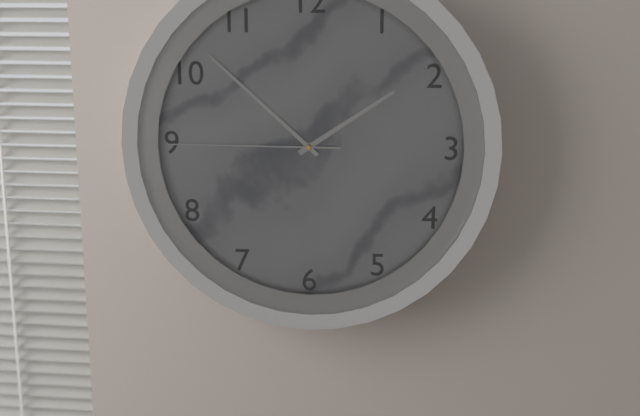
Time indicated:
**1:52:45**
